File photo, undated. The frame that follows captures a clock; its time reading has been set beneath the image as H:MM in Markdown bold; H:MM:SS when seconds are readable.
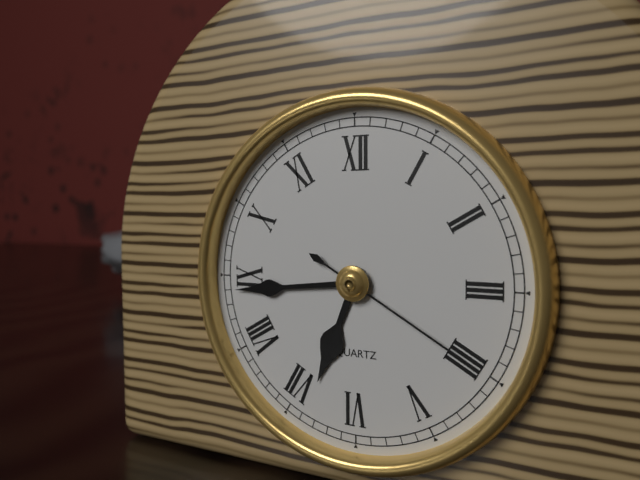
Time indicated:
**6:44:20**
